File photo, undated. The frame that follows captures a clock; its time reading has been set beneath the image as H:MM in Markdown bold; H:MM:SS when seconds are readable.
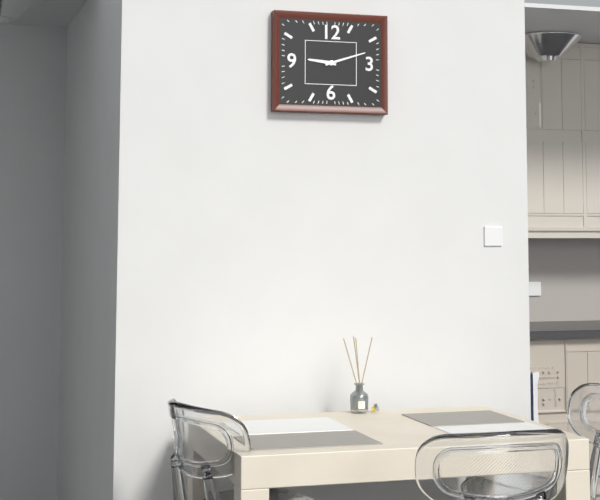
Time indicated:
**9:12**
